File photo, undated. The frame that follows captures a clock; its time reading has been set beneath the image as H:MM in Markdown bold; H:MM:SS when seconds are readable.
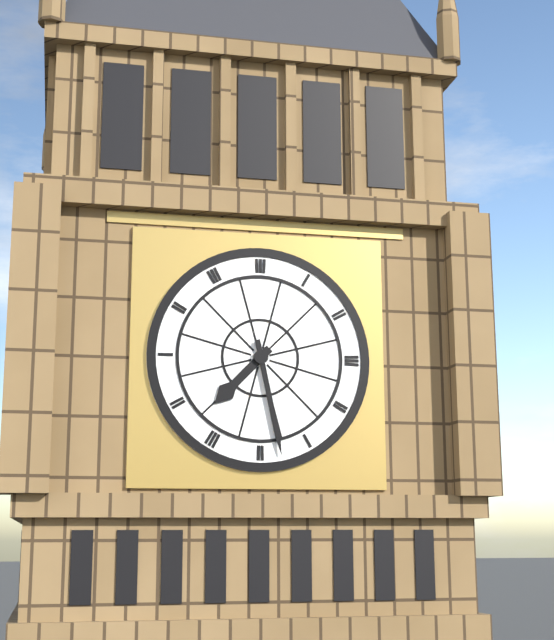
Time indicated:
**7:28**
